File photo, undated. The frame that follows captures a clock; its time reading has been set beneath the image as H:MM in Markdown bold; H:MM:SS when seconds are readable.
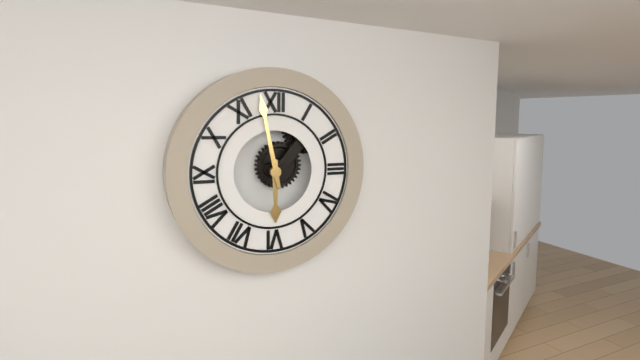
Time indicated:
**5:58**
